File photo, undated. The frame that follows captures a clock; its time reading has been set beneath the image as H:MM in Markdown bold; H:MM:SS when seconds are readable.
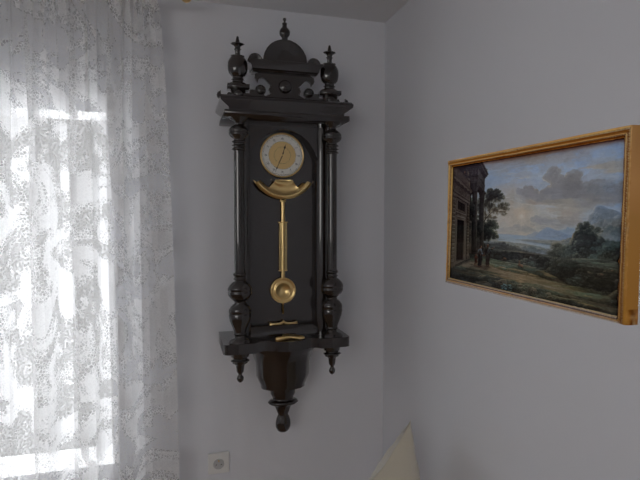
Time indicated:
**12:34**
